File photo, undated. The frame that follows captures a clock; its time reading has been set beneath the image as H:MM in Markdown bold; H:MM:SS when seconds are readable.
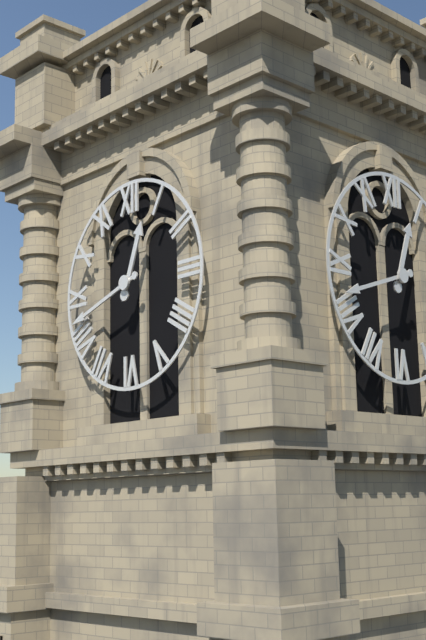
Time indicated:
**12:42**
